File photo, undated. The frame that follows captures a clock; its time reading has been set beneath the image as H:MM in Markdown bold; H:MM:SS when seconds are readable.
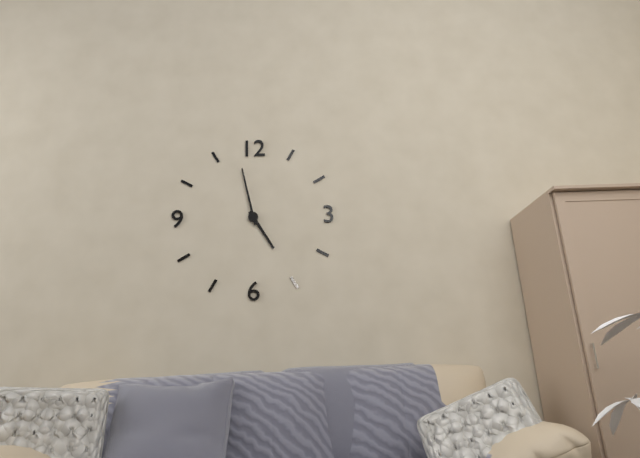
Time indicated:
**4:58**
